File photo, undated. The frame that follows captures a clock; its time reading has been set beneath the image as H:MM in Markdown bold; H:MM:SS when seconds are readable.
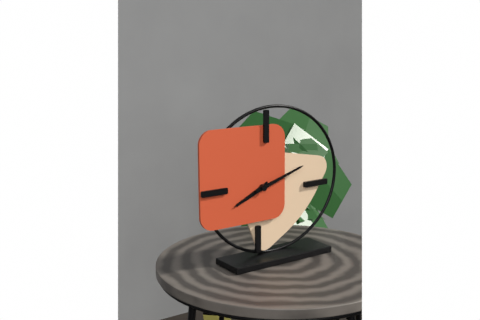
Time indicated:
**8:12**
